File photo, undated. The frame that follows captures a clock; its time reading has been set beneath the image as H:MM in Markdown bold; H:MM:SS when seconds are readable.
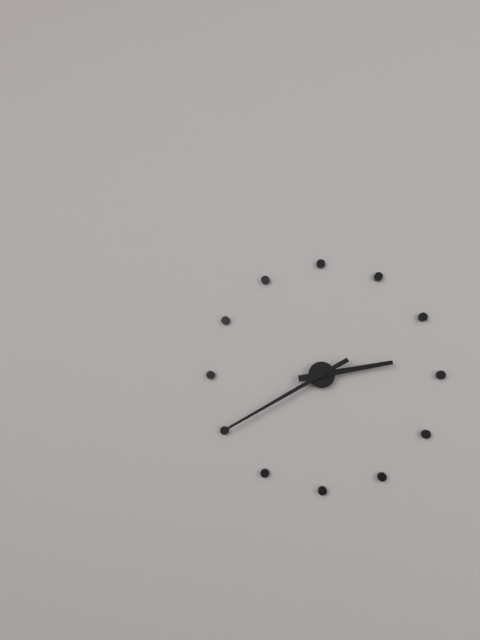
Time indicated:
**2:40**
